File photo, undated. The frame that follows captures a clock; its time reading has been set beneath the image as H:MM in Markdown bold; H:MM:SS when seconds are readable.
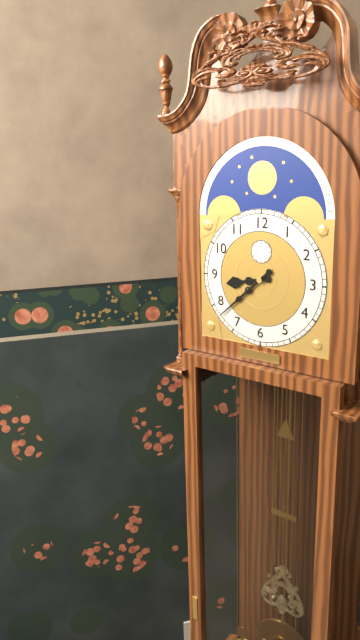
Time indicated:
**8:38**
